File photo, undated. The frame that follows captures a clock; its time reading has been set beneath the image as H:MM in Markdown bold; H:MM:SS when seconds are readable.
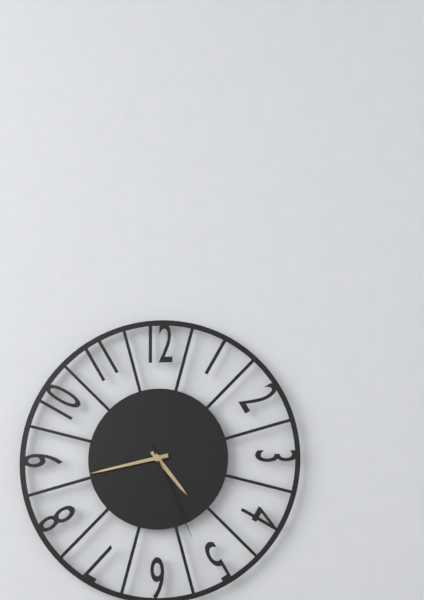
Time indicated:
**4:43:26**
